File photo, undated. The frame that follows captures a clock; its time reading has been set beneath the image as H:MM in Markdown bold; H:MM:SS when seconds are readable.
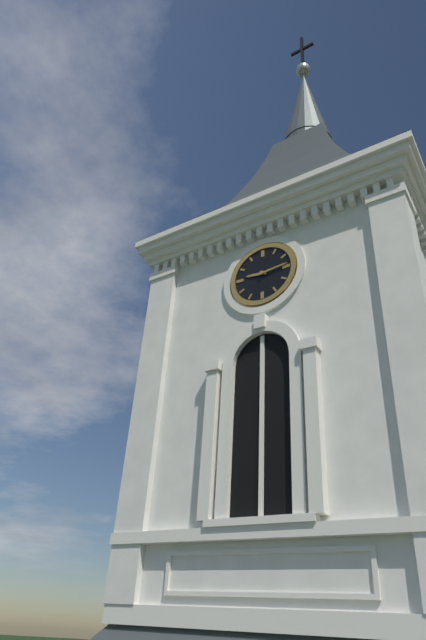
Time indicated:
**9:14**
